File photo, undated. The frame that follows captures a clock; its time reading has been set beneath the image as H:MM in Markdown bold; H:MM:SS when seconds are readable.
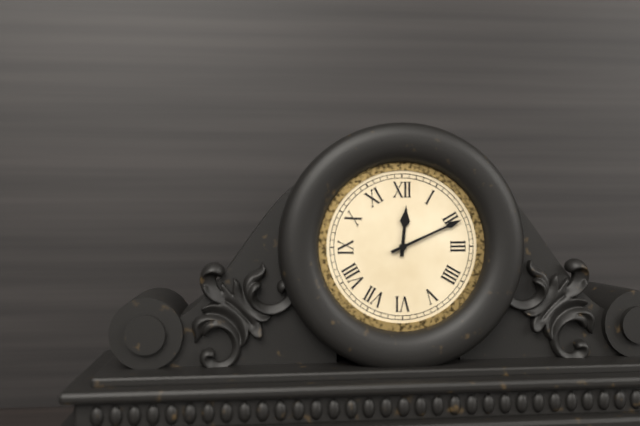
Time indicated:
**12:11**
